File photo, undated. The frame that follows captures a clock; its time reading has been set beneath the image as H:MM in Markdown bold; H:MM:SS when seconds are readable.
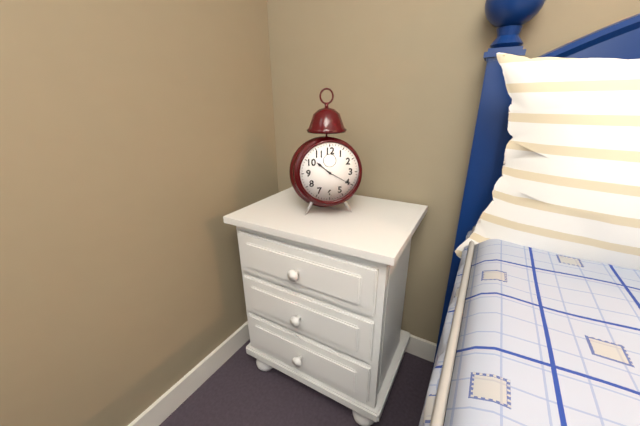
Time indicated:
**10:20**
